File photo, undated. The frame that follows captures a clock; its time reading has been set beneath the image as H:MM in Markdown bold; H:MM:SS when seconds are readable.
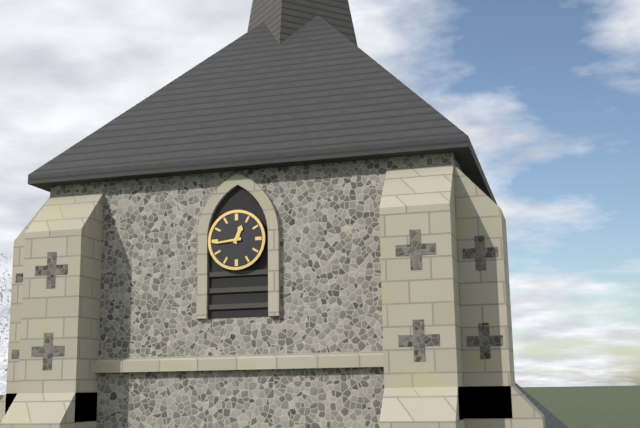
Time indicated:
**12:44**
